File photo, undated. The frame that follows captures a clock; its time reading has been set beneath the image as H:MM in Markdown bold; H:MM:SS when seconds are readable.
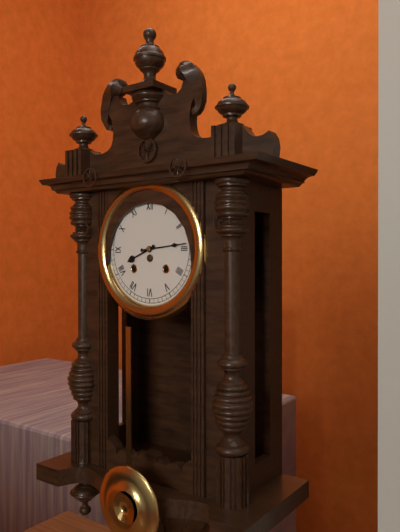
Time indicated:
**8:14**
